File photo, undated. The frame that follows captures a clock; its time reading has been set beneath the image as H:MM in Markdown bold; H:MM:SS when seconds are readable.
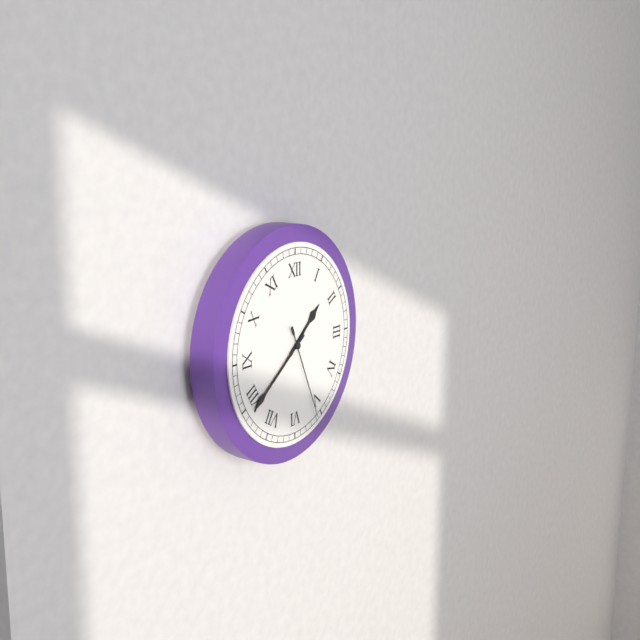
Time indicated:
**1:39:26**
